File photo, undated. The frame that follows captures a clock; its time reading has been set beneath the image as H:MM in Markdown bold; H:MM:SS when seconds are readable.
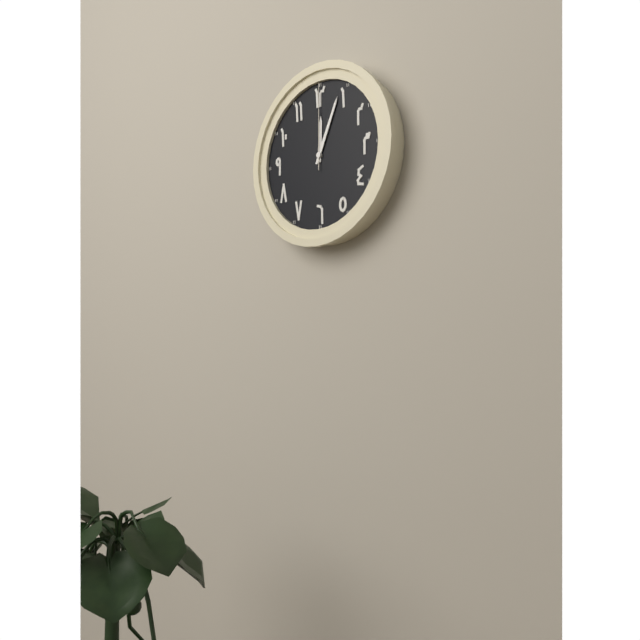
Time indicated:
**12:04:00**
